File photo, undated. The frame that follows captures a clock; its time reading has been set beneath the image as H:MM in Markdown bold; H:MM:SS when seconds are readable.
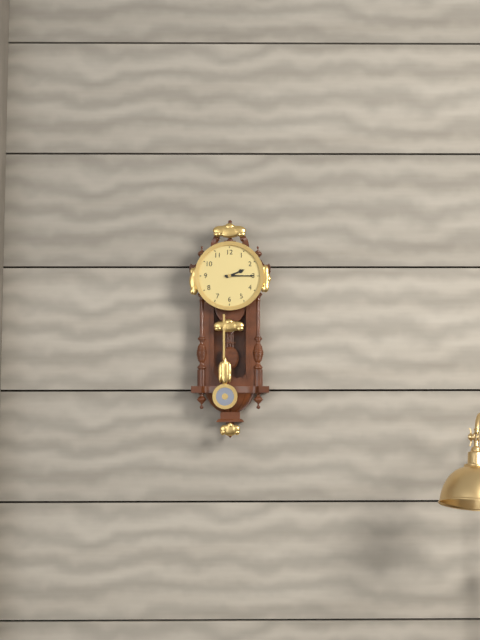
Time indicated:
**2:15**
